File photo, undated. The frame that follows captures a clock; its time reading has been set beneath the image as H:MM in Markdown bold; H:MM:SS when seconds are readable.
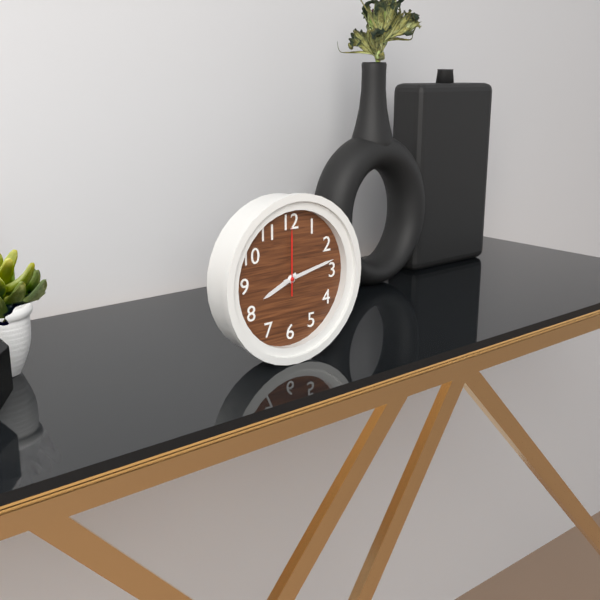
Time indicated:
**8:13:00**
